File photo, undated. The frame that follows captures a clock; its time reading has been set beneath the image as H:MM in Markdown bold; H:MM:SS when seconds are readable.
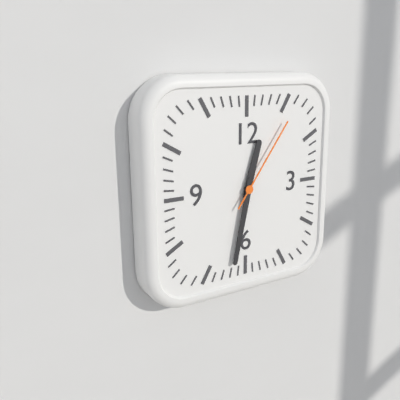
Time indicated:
**12:32:06**
